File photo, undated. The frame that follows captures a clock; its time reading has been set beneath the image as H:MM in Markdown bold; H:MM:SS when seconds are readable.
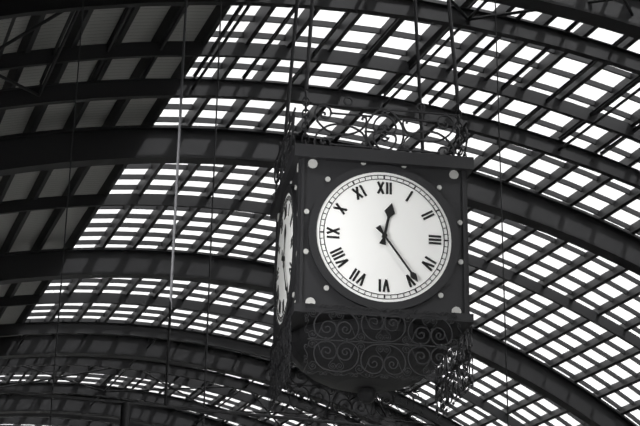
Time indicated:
**12:24**
